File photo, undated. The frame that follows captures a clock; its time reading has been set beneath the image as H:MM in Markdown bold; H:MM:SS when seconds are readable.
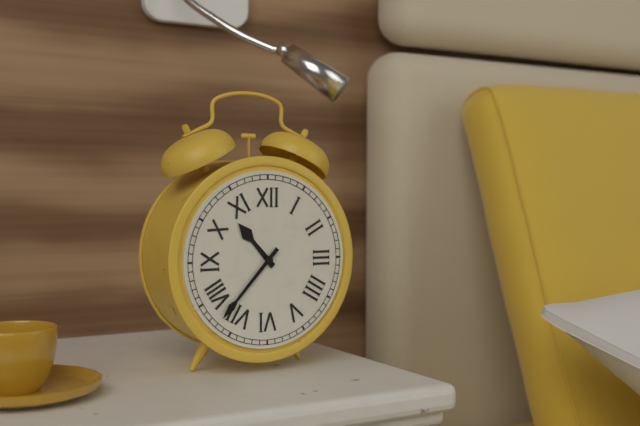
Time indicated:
**10:37**
